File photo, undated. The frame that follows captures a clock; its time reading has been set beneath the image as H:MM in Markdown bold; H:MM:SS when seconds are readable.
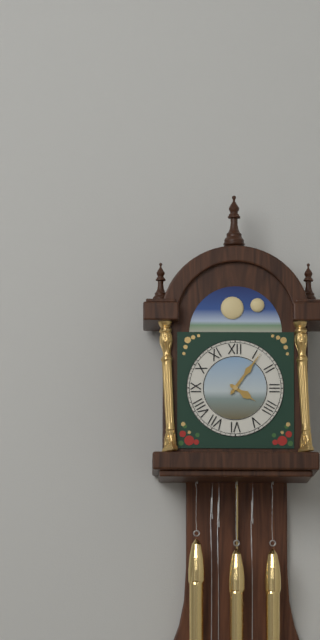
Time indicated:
**4:06**
